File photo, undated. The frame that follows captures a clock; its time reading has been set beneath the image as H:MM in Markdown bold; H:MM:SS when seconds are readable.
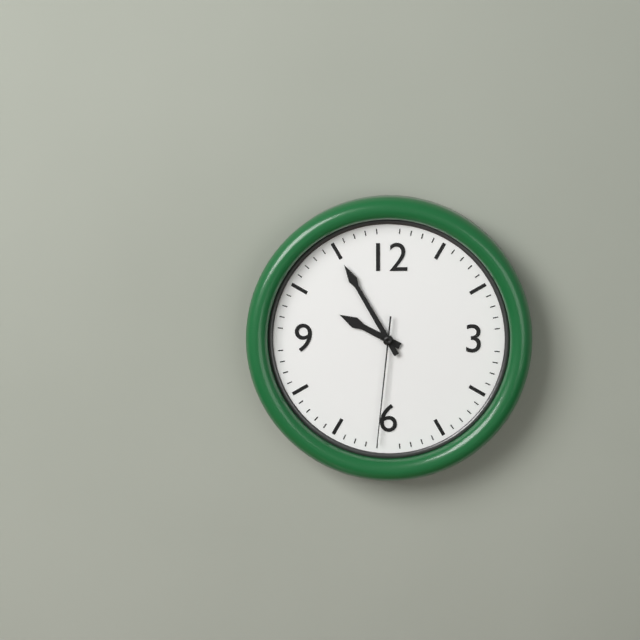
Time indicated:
**9:55:31**
